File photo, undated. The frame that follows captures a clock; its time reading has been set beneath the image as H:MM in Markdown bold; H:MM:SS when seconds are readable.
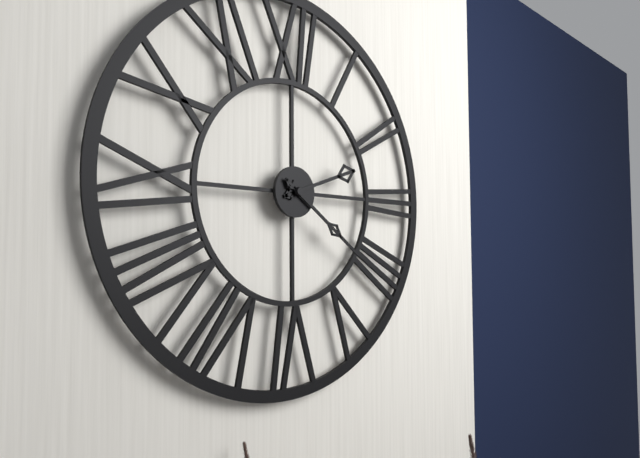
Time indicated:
**2:21**
